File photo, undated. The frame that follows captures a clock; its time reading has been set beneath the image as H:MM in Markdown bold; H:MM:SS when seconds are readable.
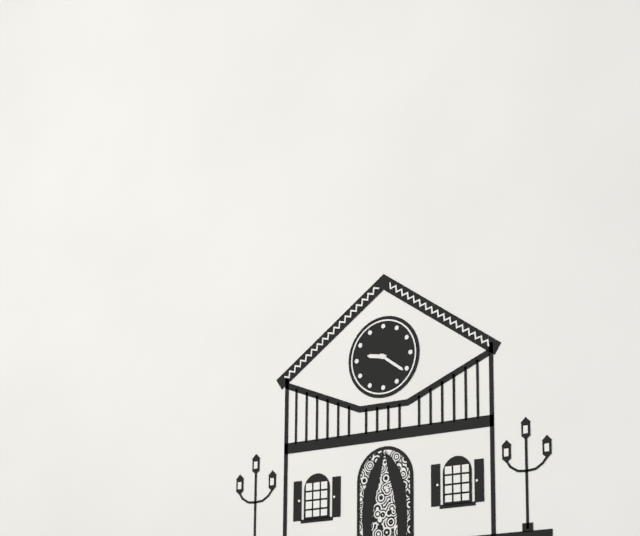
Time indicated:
**9:21**
